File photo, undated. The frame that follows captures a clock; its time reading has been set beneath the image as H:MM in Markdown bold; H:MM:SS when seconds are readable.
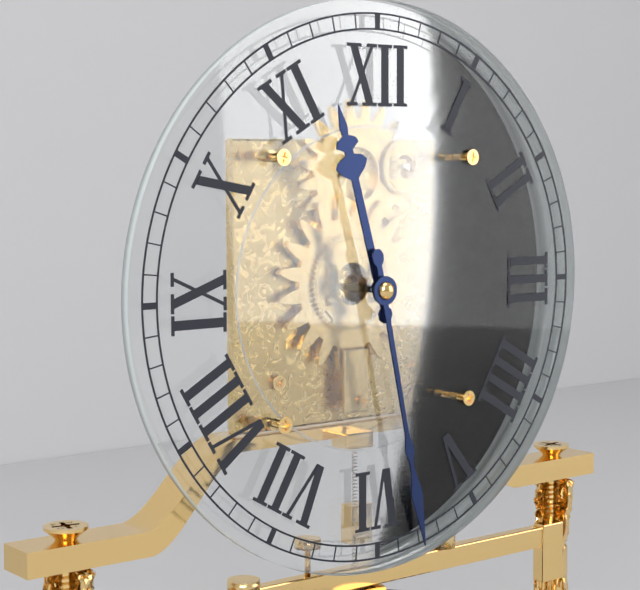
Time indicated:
**11:28**
